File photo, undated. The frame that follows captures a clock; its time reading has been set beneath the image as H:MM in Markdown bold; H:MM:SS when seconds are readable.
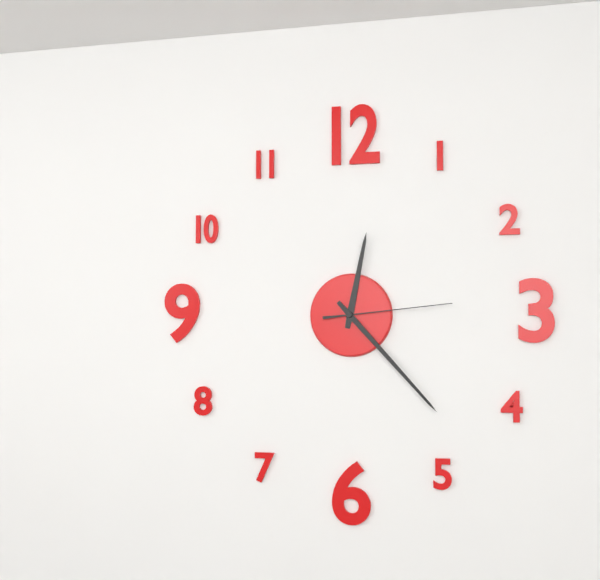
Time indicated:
**12:23:14**
